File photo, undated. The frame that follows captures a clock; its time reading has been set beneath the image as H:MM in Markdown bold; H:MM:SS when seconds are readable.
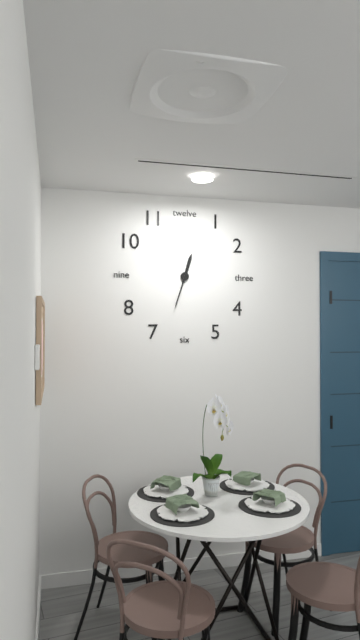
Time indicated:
**12:33**
